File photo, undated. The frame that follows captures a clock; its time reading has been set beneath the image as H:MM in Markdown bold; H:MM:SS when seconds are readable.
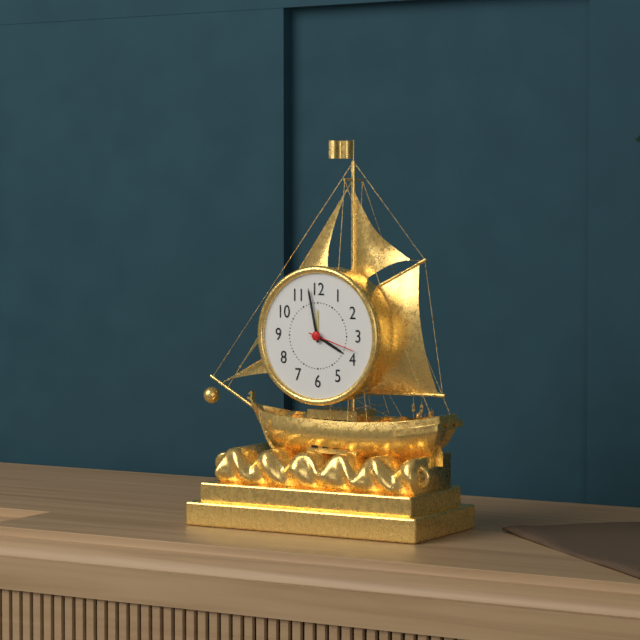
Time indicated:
**3:58:18**
